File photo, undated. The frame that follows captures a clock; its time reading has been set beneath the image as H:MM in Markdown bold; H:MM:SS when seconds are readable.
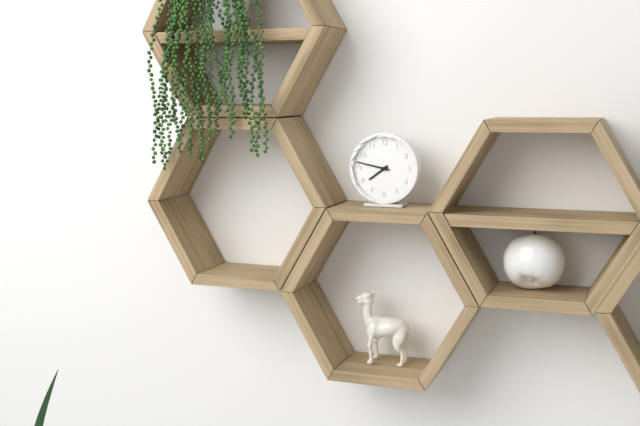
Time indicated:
**7:47**
